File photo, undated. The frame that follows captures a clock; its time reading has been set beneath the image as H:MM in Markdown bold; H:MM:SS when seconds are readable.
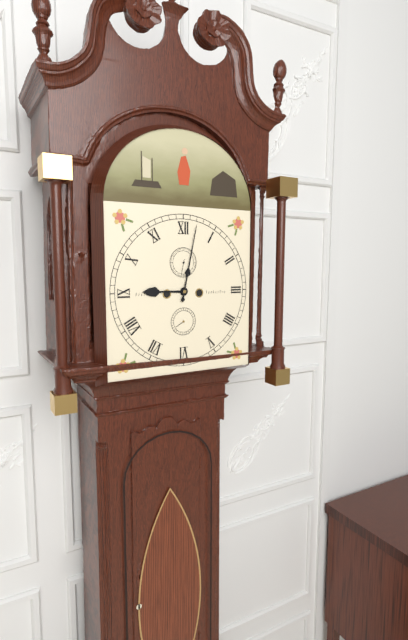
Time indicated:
**9:02**
